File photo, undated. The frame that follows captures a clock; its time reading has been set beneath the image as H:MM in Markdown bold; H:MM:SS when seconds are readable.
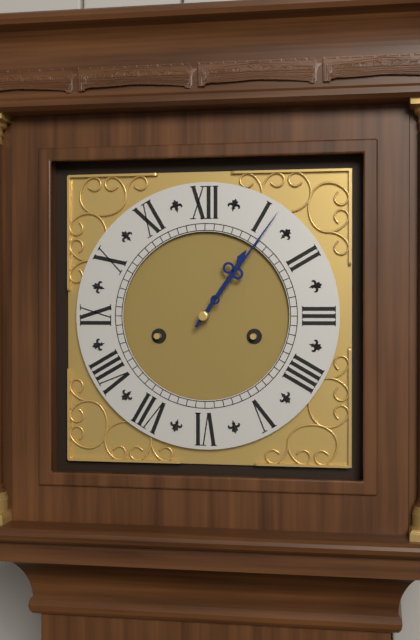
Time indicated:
**1:06**
